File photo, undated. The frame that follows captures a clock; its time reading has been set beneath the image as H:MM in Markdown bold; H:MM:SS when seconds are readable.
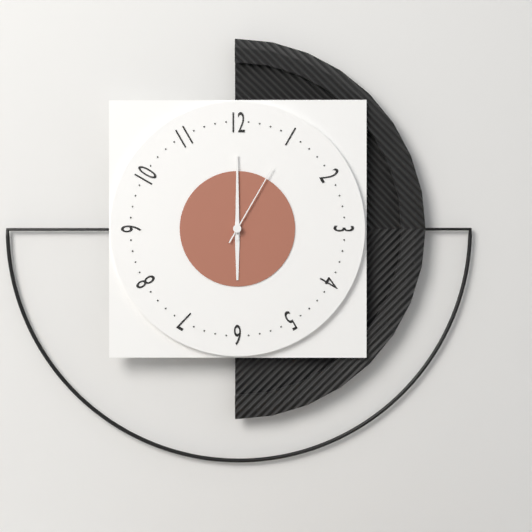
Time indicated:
**6:00:05**
